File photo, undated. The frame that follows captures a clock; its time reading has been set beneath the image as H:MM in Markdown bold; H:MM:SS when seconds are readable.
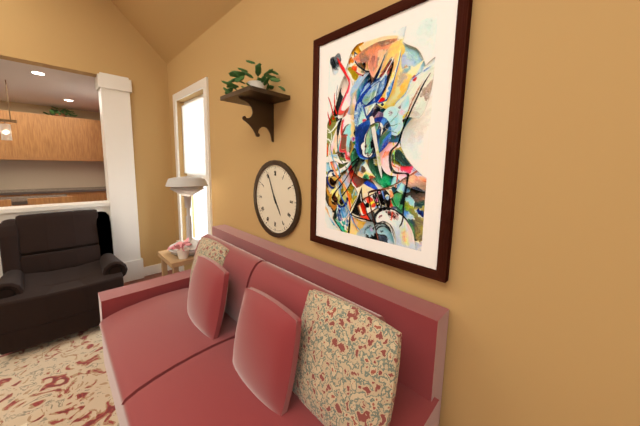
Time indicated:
**4:56**
